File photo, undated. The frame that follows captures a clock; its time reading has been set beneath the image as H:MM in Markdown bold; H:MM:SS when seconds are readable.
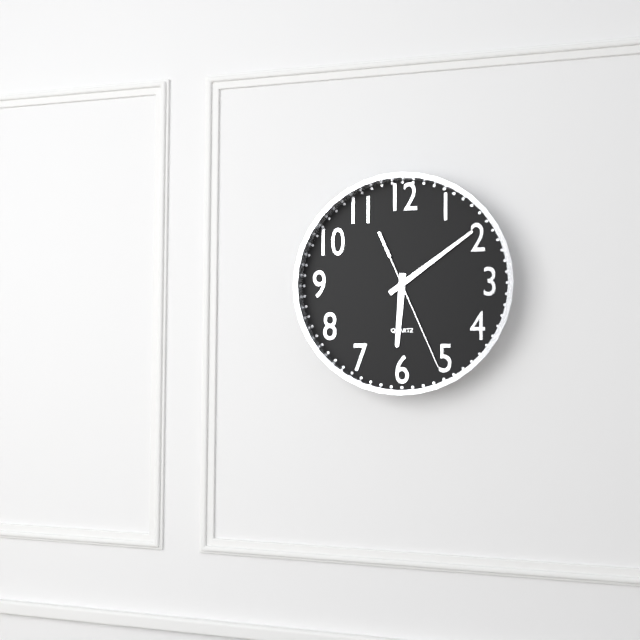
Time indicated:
**6:09:26**
